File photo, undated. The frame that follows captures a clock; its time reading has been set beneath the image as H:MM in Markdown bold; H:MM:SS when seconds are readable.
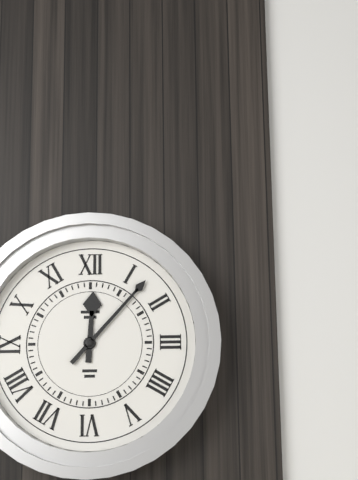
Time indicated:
**12:07**
